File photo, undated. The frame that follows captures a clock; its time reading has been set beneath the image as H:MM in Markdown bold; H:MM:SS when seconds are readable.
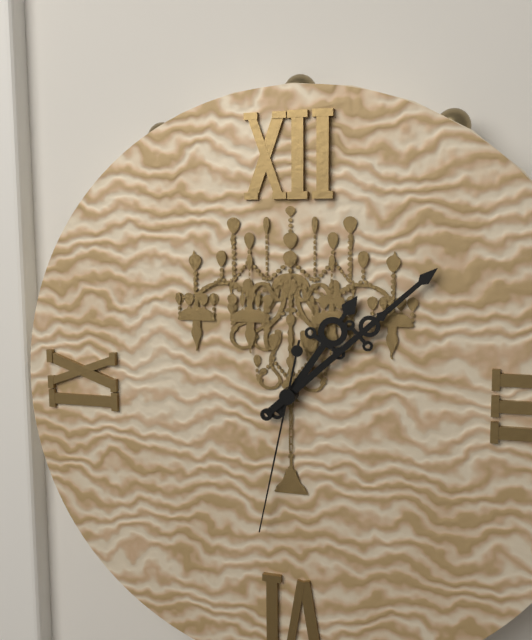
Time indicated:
**1:08:32**
